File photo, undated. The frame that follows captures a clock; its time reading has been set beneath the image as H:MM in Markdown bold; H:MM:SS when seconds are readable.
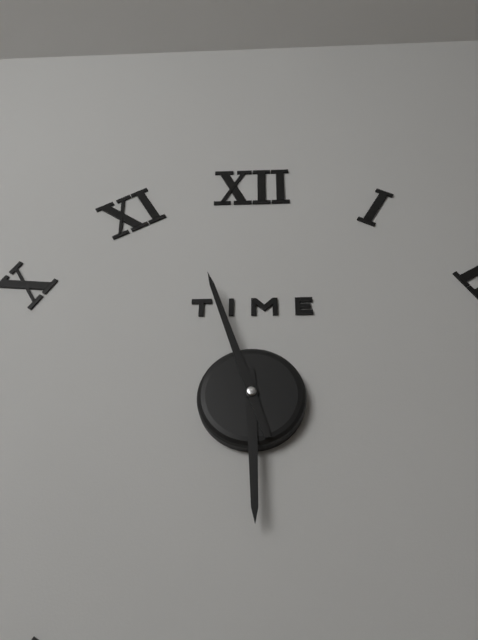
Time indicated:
**5:57**
